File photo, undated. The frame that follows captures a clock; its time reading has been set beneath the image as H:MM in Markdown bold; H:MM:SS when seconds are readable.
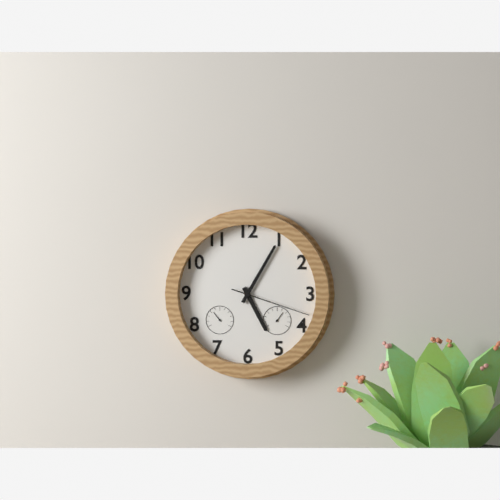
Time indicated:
**5:05:18**
